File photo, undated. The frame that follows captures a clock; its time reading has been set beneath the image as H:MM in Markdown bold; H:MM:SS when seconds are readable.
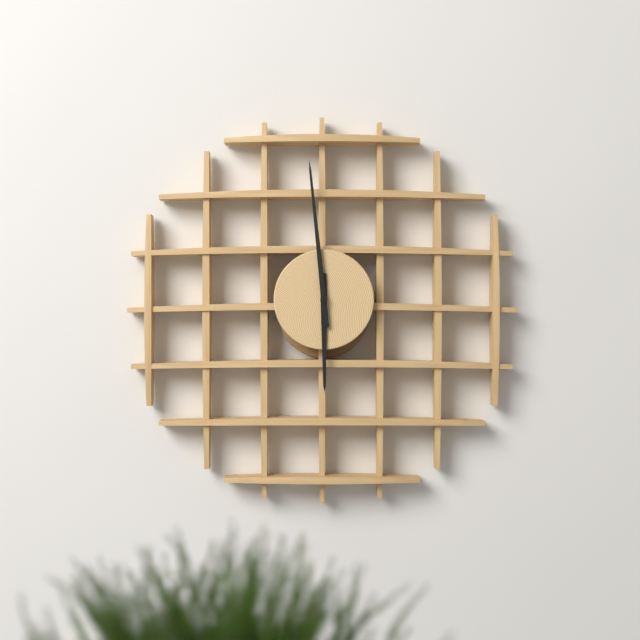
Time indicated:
**5:59**
